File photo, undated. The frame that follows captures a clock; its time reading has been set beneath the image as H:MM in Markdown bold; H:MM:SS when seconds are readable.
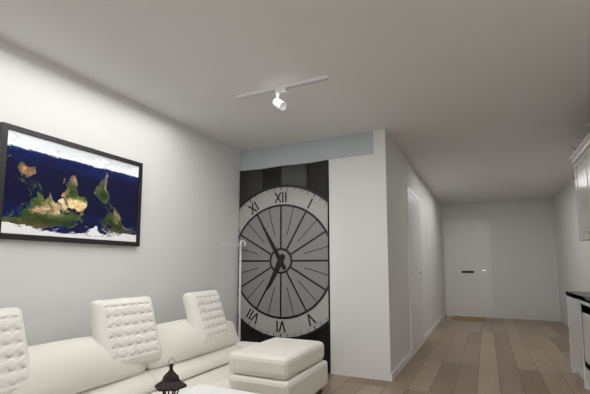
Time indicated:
**6:55**
